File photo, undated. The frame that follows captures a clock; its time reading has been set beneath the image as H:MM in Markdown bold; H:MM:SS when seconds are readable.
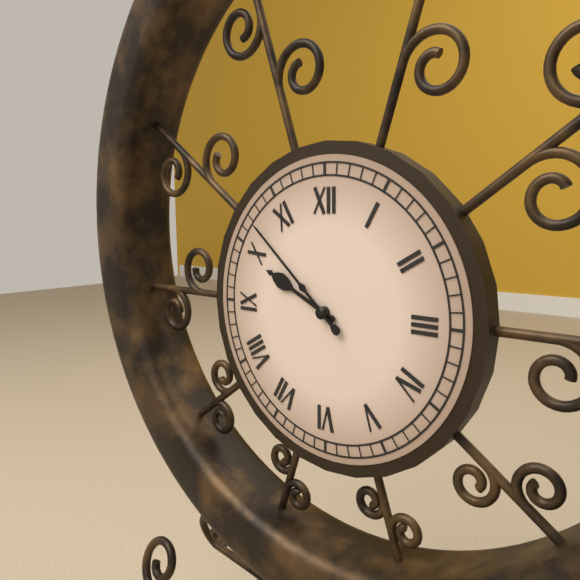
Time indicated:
**9:52**
